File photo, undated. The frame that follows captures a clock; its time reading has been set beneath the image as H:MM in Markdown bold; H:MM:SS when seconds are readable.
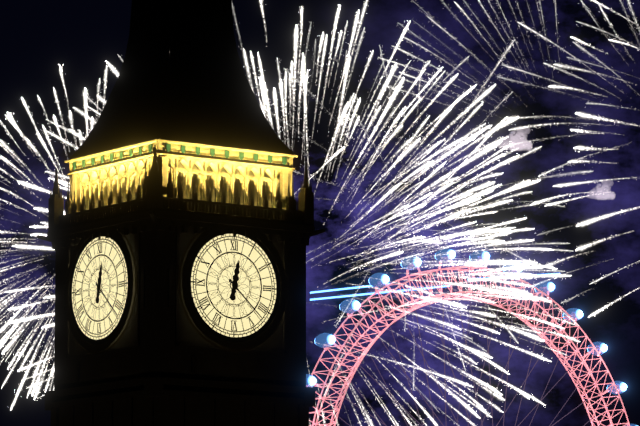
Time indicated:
**12:22**
